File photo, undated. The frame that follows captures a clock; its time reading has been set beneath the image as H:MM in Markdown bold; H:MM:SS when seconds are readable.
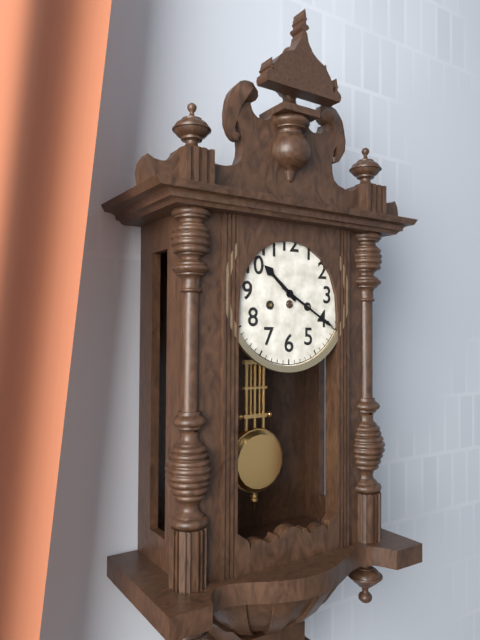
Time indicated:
**10:20**
